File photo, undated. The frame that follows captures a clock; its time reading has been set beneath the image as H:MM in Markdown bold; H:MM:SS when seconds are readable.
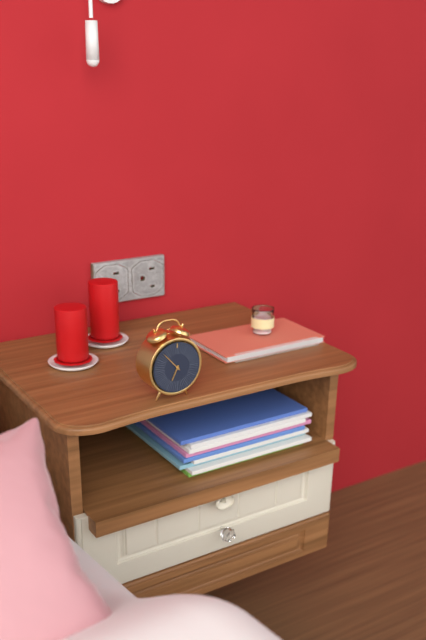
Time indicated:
**6:53**
